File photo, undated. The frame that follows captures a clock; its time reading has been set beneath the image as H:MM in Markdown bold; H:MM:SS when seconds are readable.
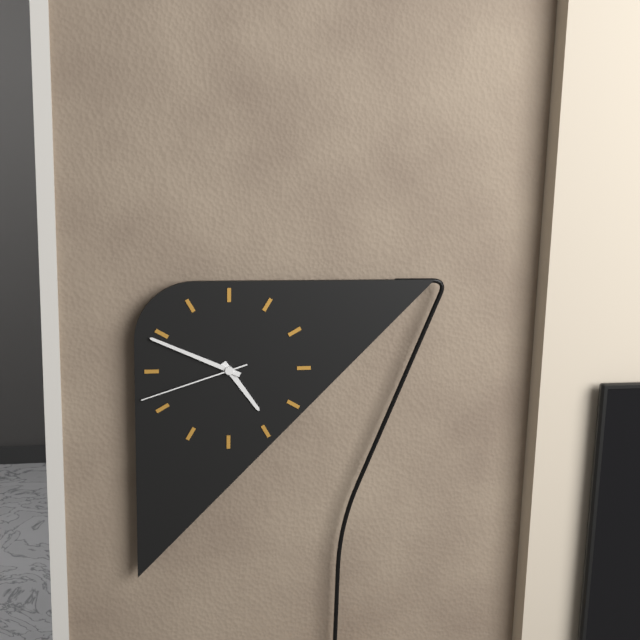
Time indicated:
**4:49:42**
